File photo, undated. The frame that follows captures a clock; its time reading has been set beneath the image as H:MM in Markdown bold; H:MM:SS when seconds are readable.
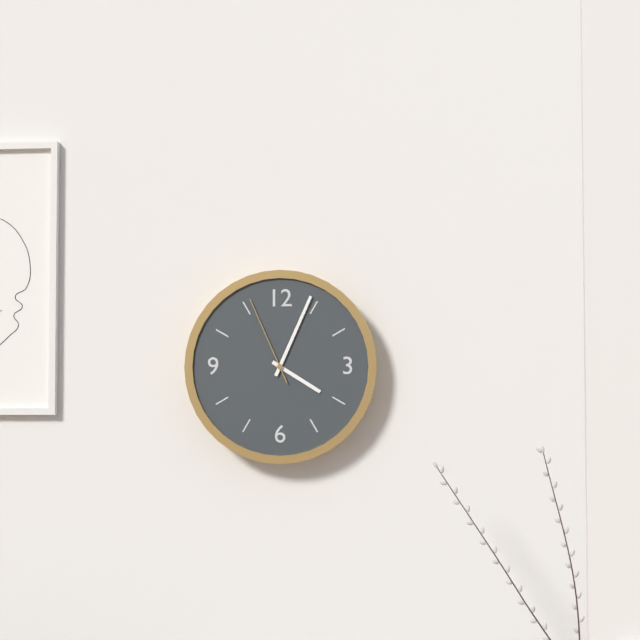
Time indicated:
**4:04:56**
